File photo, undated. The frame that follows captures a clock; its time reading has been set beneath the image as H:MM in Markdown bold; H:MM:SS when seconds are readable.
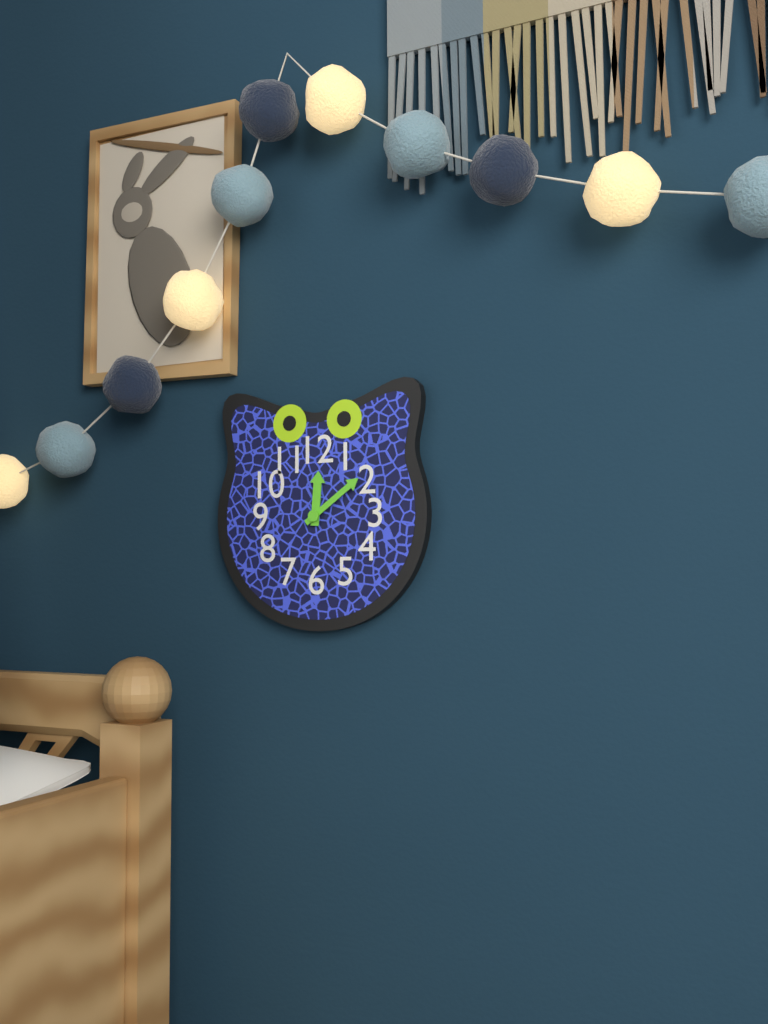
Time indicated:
**12:09**
